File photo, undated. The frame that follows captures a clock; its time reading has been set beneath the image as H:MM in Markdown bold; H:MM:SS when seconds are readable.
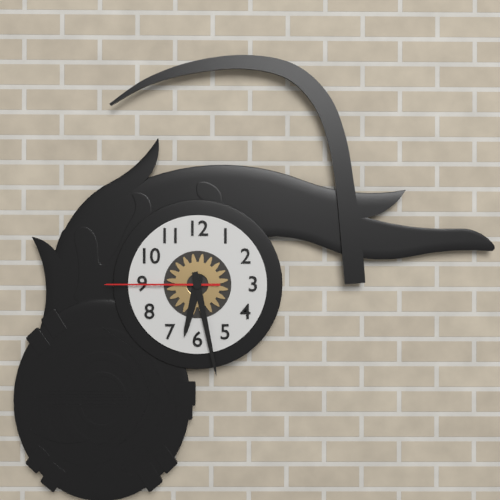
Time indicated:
**6:28:45**
